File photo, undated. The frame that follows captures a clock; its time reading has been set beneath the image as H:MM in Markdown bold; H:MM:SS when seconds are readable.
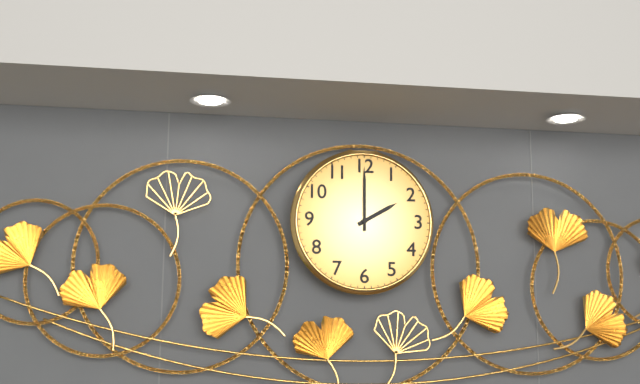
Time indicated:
**2:00**
